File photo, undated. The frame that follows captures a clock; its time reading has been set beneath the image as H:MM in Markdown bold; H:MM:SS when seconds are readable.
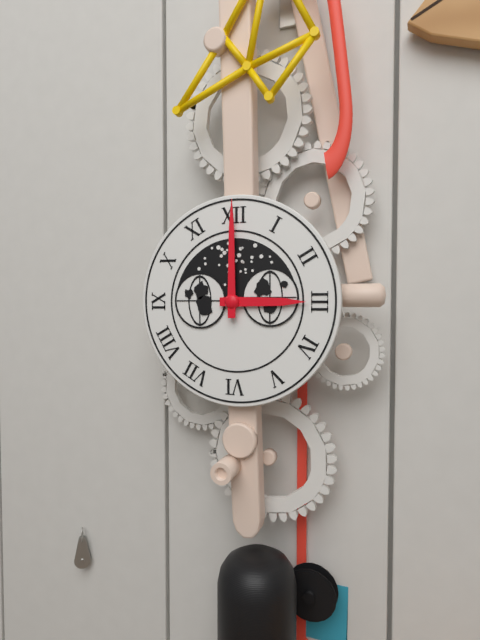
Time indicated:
**3:00**
